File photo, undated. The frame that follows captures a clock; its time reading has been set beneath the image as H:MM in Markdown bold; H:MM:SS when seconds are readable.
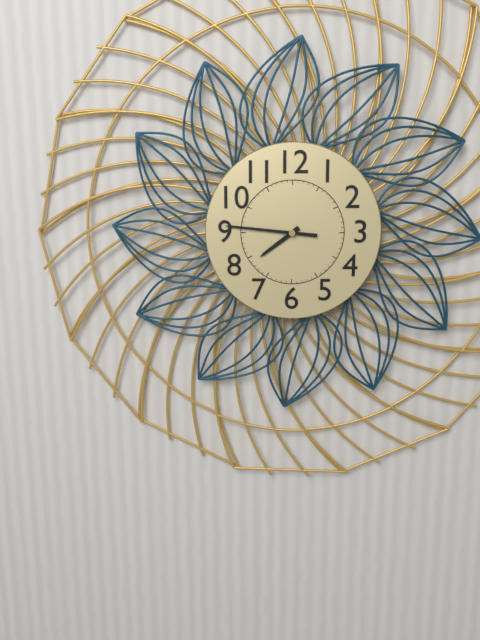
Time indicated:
**7:46**
